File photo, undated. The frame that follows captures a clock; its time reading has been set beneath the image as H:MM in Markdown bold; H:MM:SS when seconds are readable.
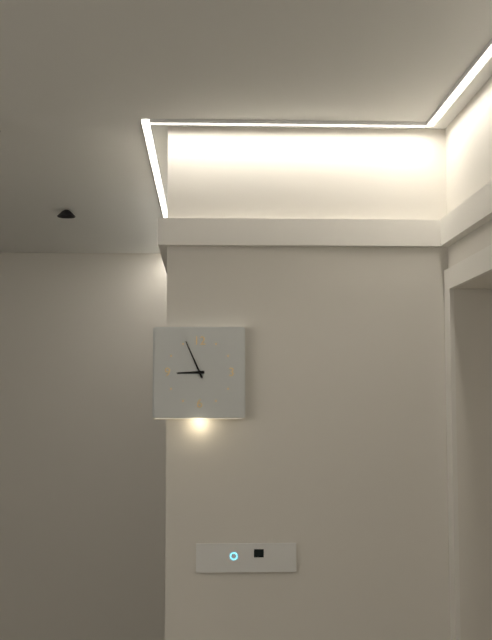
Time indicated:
**8:56**
